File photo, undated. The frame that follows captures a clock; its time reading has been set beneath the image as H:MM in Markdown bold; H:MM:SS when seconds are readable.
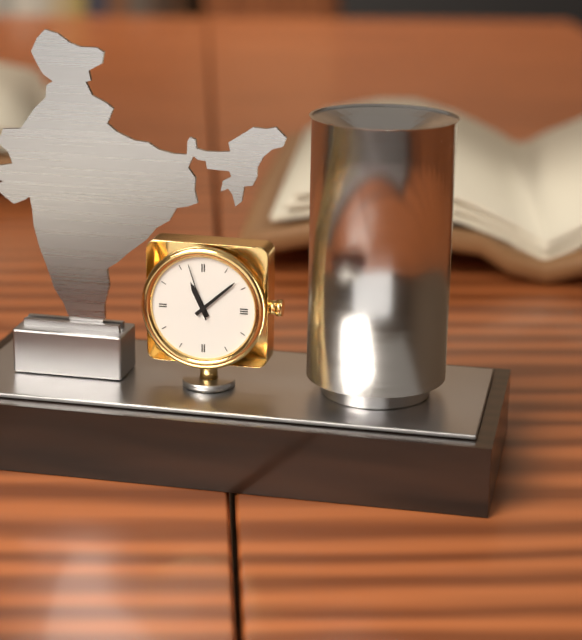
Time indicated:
**11:08:57**
